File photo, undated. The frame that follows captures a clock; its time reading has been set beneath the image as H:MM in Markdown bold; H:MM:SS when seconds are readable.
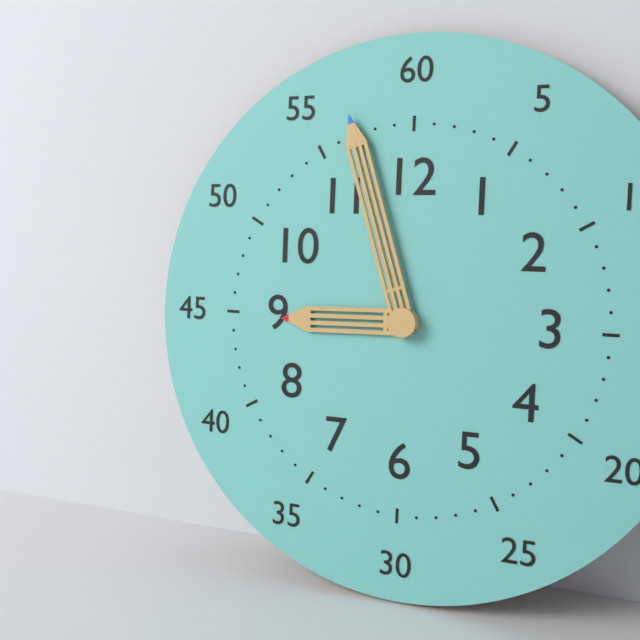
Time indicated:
**8:57**
